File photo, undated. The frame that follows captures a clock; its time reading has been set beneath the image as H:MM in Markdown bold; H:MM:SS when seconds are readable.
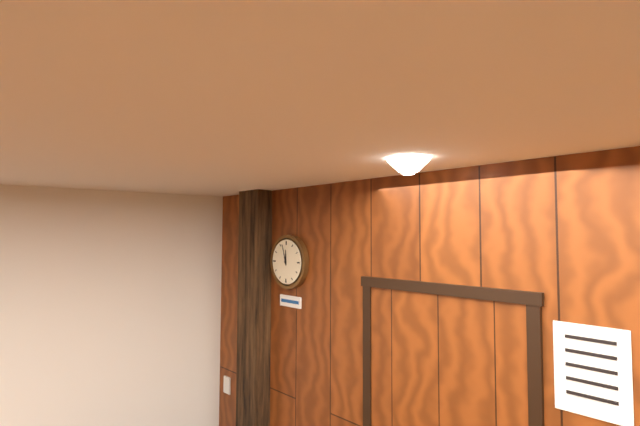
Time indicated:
**11:57**
